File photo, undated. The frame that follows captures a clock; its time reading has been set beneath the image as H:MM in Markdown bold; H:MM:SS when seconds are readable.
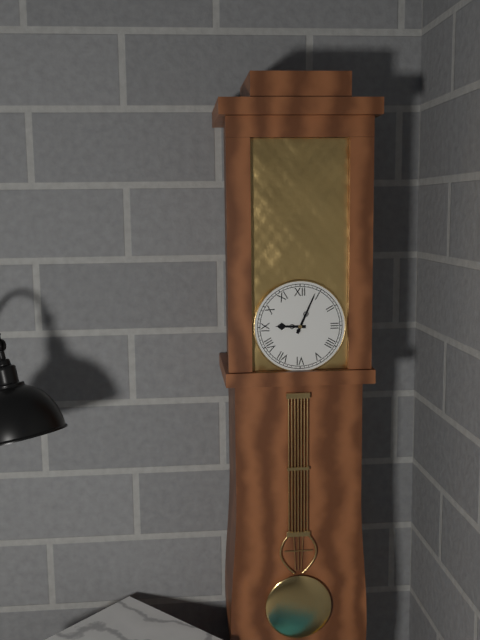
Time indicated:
**9:04**
